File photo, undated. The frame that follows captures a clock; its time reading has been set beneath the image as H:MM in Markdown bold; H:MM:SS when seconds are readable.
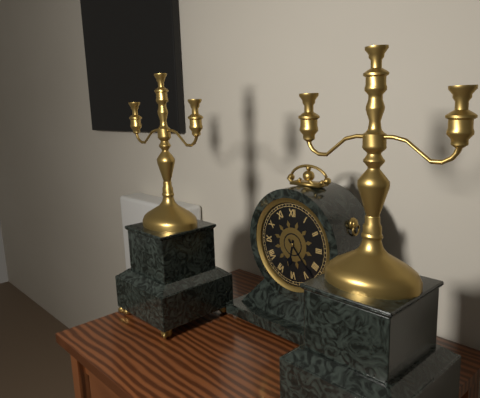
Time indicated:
**6:23**
